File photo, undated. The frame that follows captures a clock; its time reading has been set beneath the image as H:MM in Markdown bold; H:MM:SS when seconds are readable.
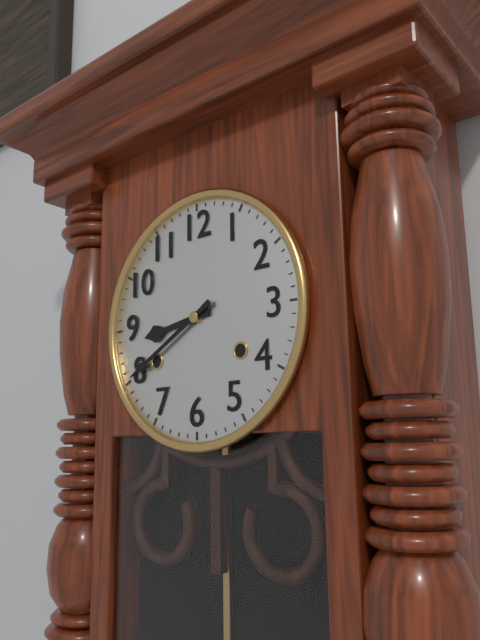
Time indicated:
**8:40**
